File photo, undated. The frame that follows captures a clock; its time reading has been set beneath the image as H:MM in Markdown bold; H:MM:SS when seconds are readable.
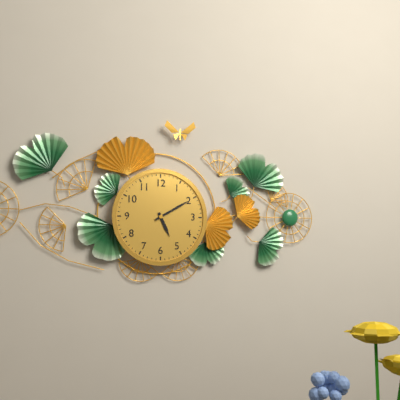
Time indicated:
**5:10**
